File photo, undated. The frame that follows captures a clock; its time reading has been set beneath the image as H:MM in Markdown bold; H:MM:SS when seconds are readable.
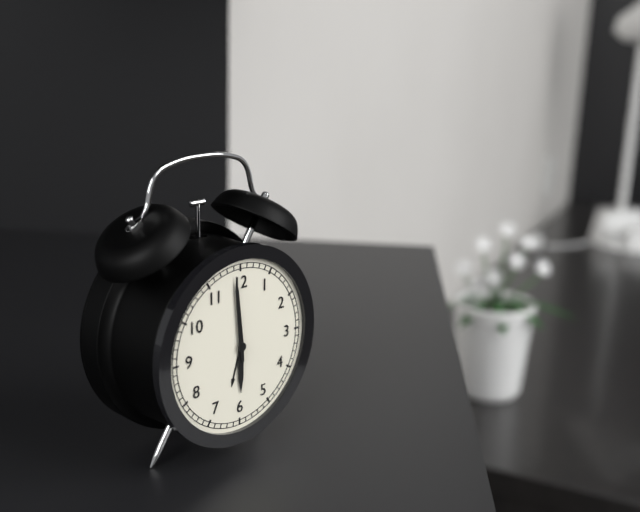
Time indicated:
**5:59**
